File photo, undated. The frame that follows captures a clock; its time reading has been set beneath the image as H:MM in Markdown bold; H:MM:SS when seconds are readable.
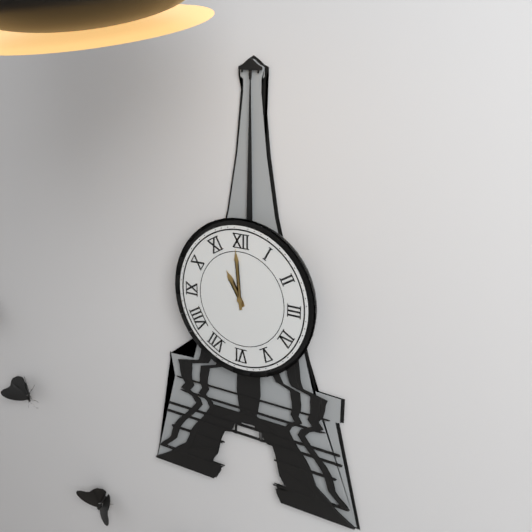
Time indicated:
**10:59**
